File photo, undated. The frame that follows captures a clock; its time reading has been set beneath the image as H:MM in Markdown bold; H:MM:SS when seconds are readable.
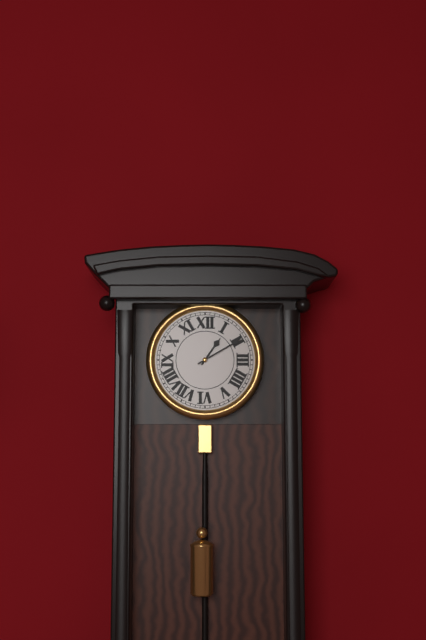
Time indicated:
**1:10**
